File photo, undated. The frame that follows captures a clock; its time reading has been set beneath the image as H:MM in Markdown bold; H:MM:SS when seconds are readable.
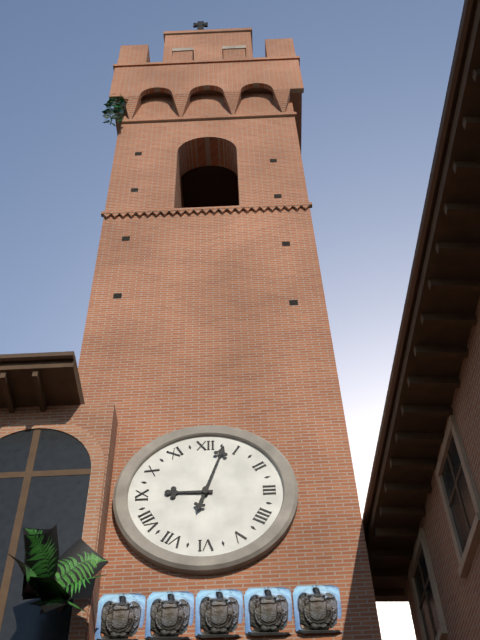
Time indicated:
**9:03**
